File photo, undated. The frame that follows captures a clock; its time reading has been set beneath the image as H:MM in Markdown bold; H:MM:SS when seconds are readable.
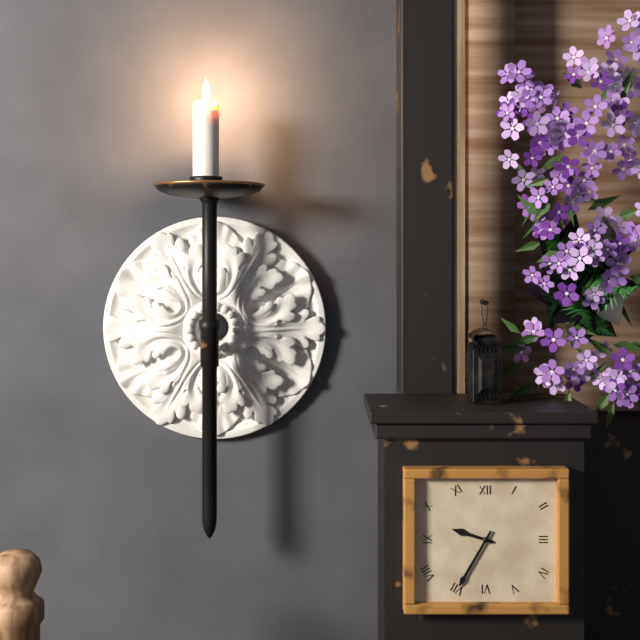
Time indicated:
**9:35**
